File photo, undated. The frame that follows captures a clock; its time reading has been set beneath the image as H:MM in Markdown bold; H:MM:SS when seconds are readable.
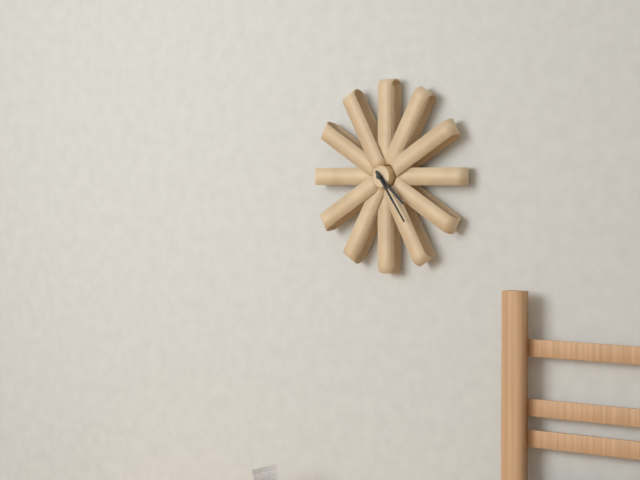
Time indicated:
**4:24**
